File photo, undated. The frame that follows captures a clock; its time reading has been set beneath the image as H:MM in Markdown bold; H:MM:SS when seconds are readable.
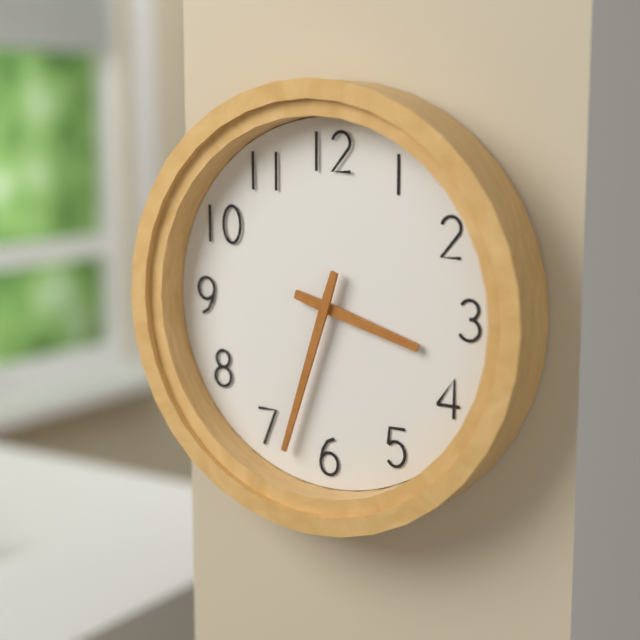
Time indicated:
**3:33**
